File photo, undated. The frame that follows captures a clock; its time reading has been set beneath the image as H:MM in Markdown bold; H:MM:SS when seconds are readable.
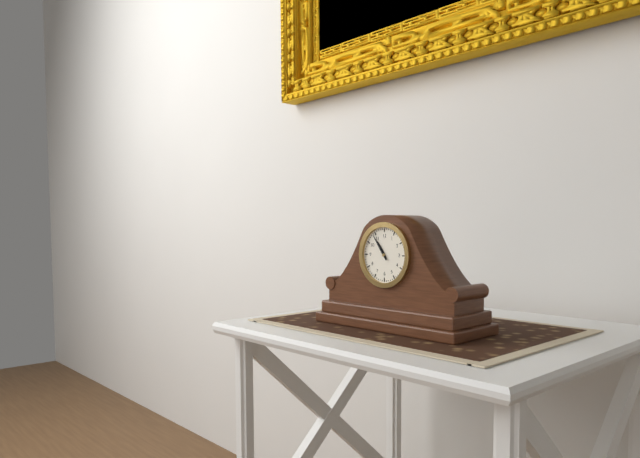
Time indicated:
**10:54**
